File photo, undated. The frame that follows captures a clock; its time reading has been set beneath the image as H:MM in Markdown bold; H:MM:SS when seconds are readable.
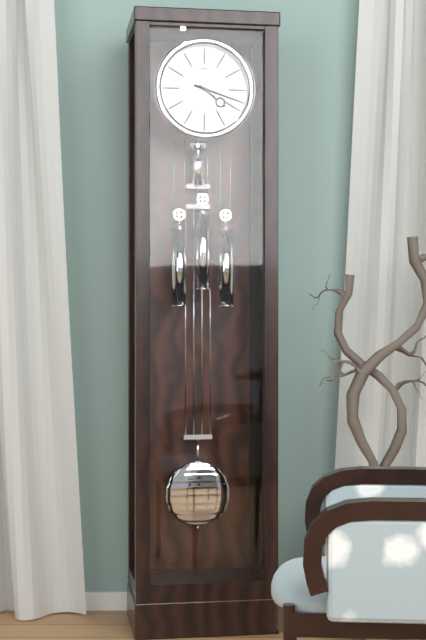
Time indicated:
**4:18**
